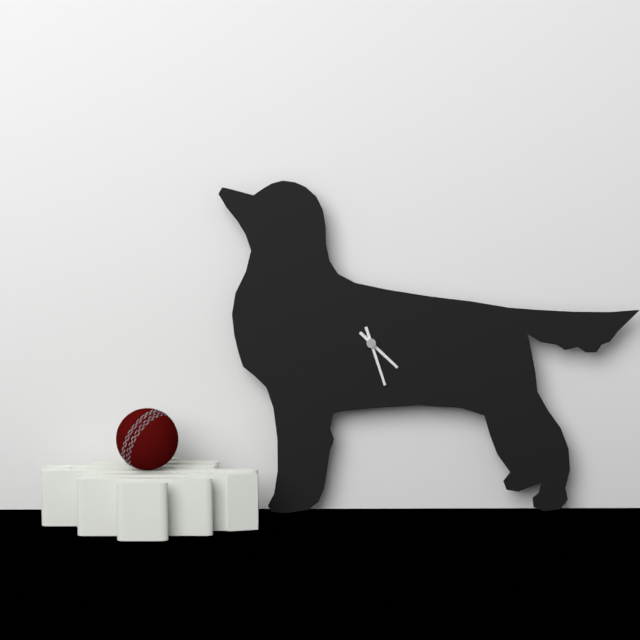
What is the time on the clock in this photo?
4:27
